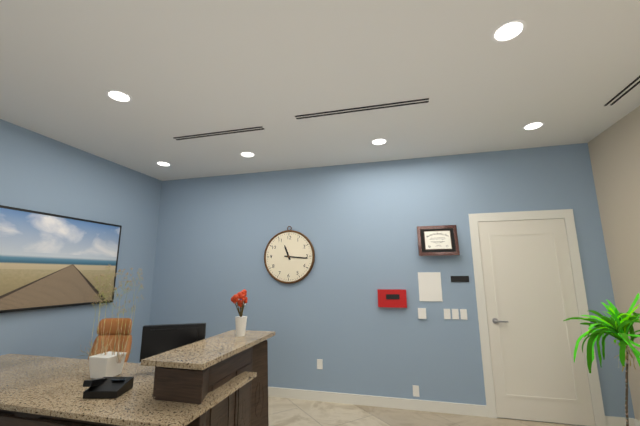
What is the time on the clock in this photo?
11:16
